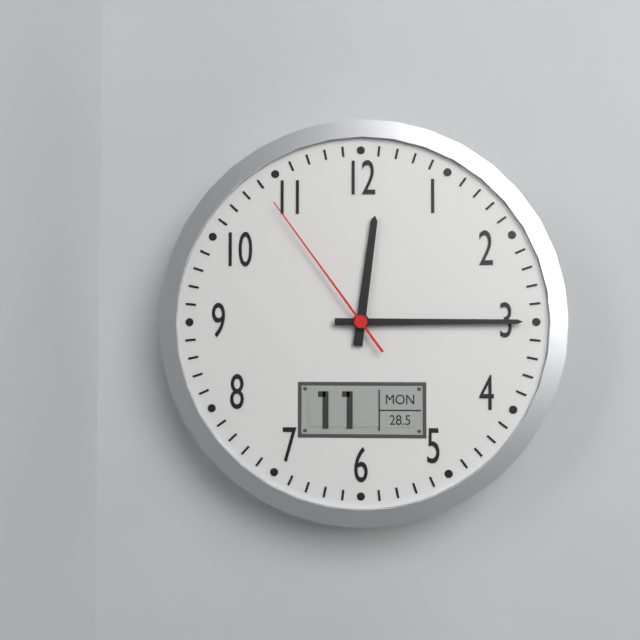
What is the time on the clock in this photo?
12:15:54
